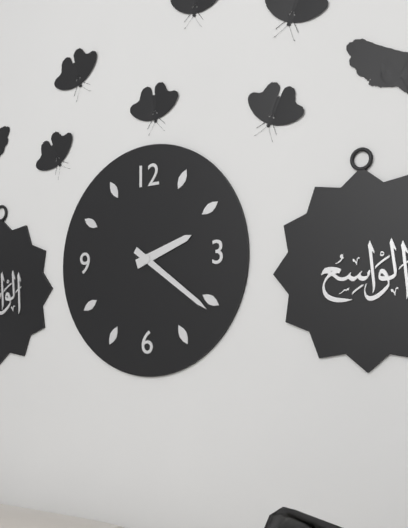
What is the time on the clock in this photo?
2:21
